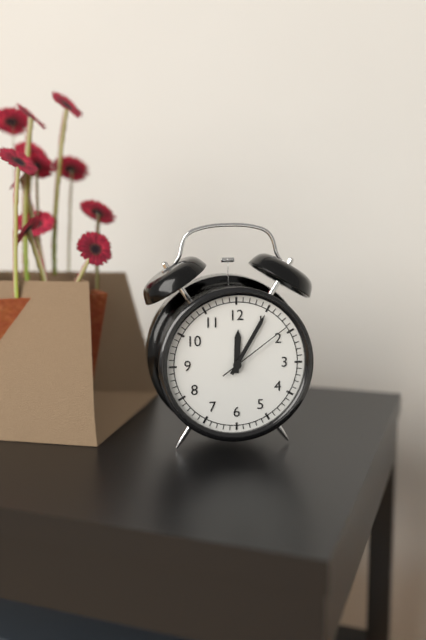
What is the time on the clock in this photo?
12:05:09
